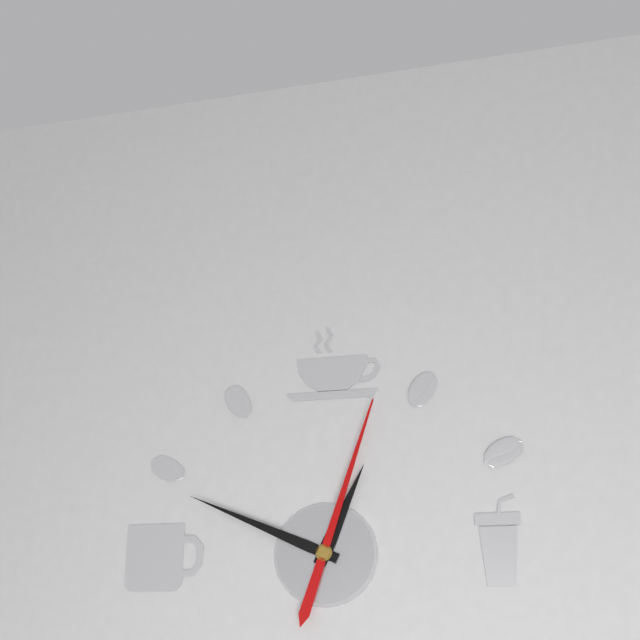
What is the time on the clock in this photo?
12:49:03
